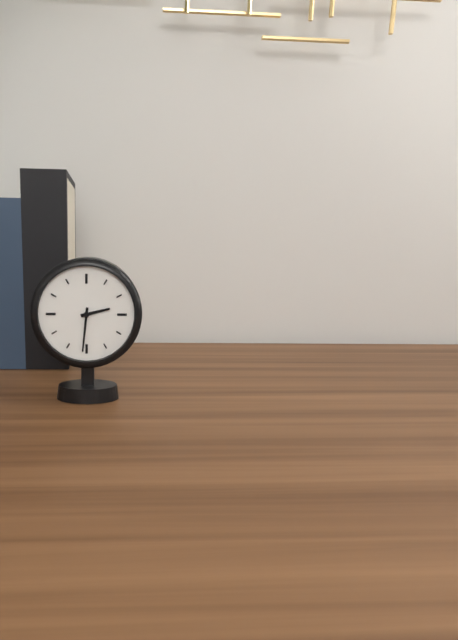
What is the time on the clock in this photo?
2:31
